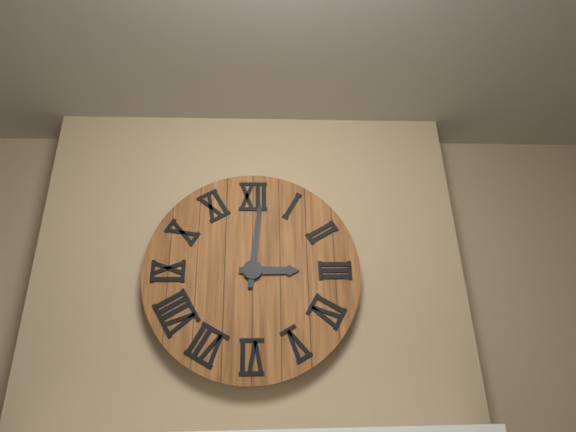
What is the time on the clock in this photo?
3:01
